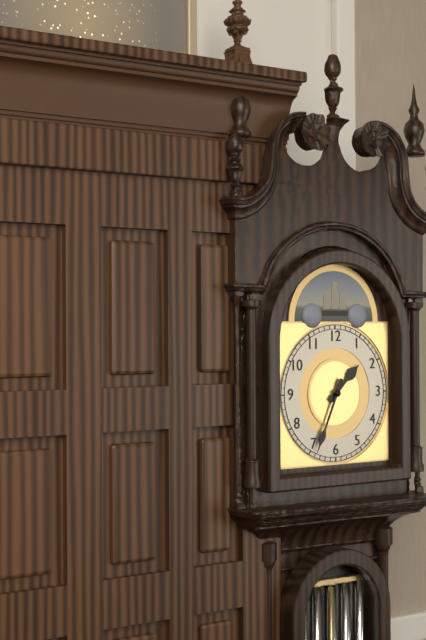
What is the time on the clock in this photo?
1:34
